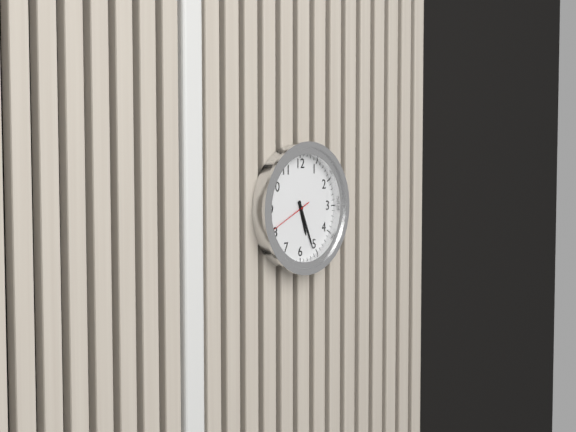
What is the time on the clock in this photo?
5:26
